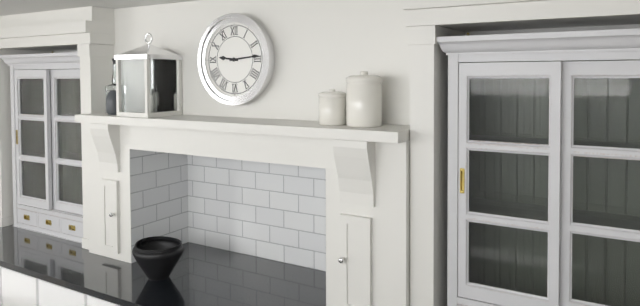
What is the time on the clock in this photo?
9:14
